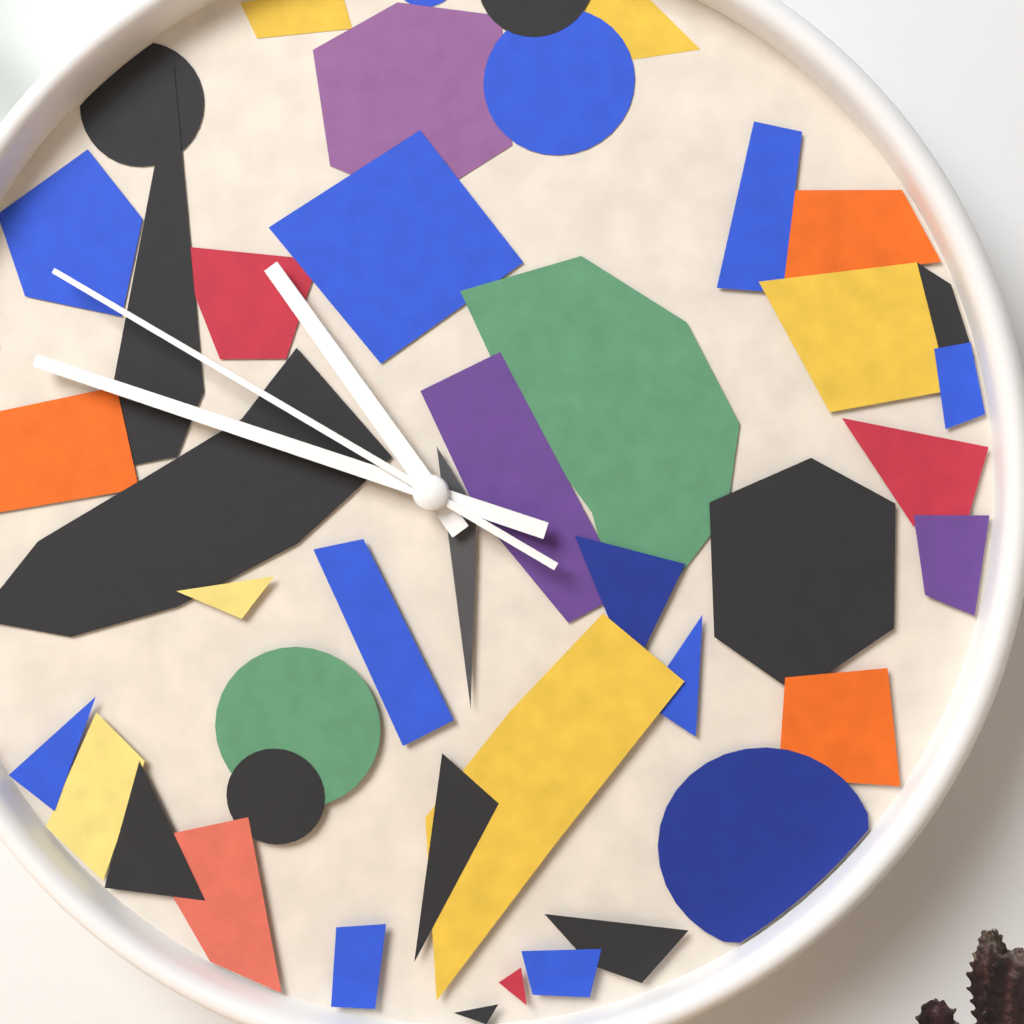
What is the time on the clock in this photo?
10:48:50
